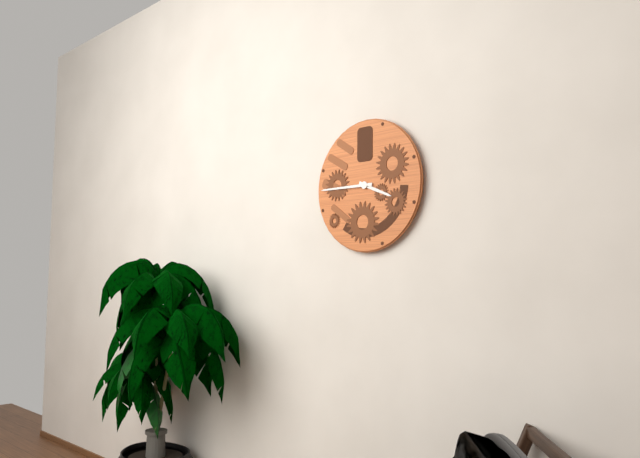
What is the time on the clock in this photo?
3:45
